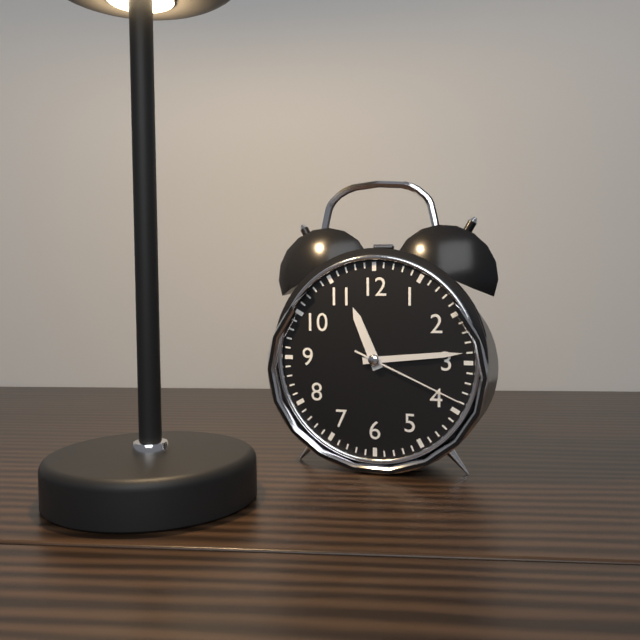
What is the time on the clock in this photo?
11:14:19
